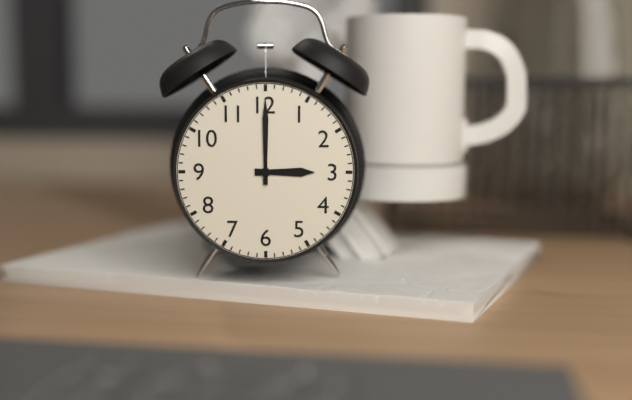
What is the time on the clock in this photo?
3:00
